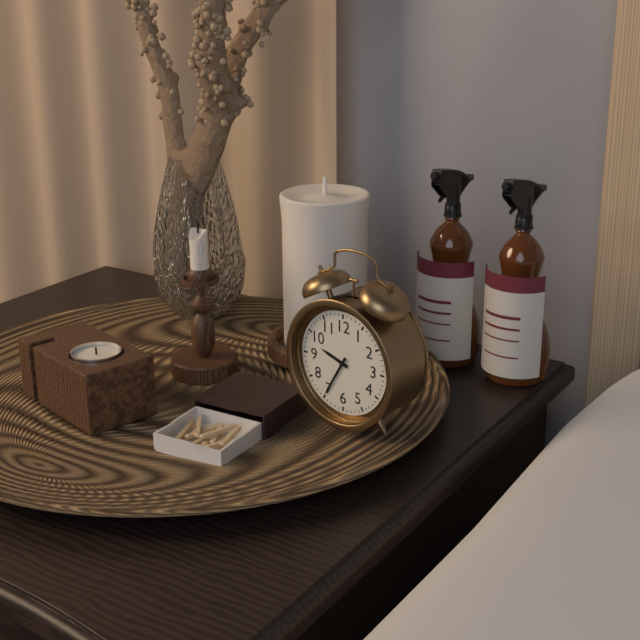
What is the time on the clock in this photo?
9:35
